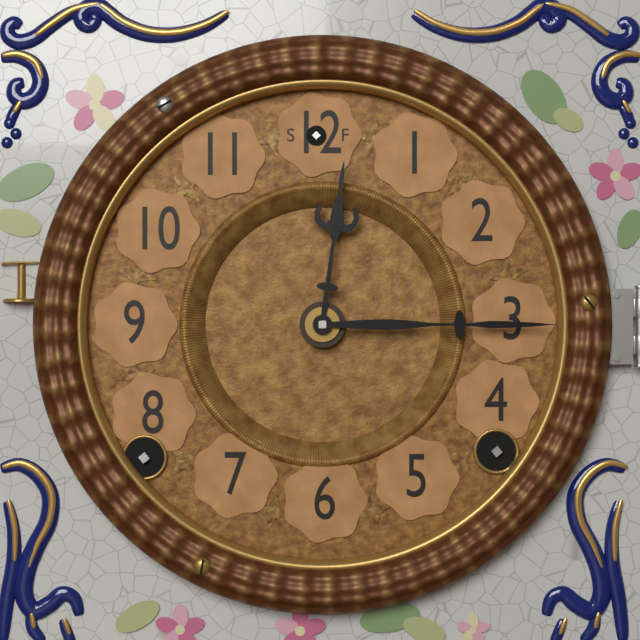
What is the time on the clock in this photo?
12:15
